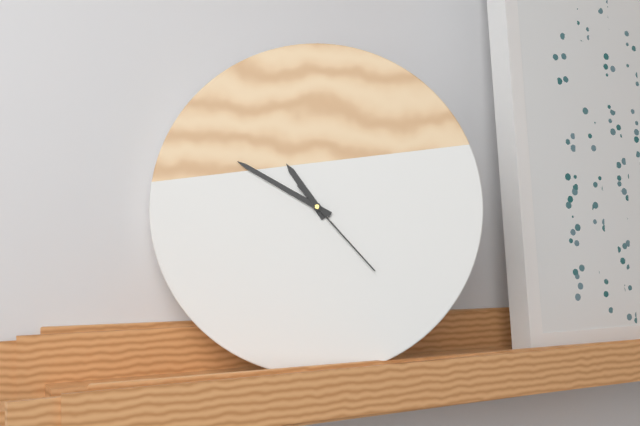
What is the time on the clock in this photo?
10:50:23
